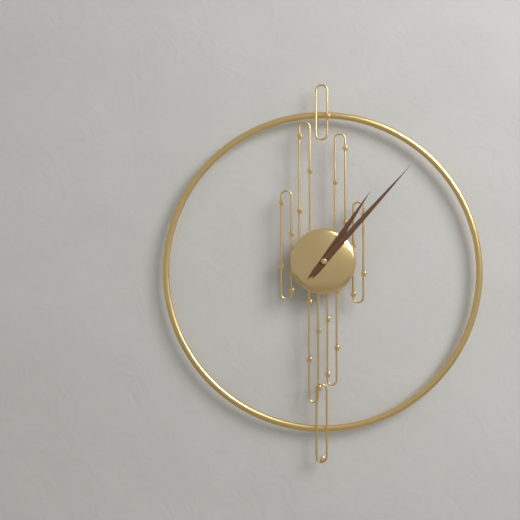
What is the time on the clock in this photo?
1:07
